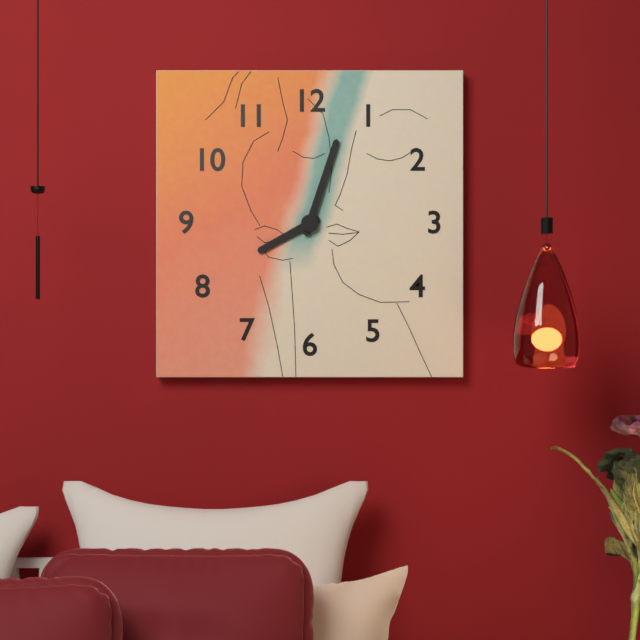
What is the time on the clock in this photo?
8:03
